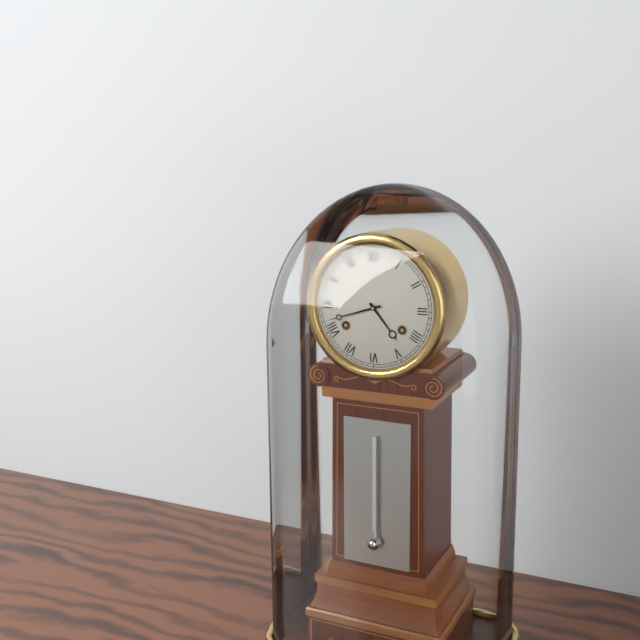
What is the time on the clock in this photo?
4:42
